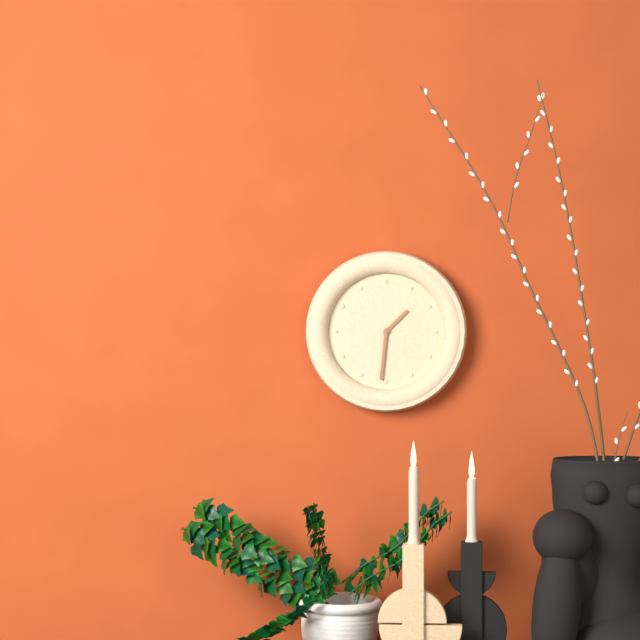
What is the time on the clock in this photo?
1:31
